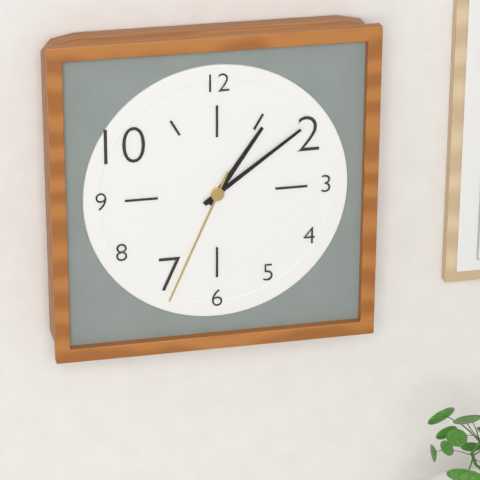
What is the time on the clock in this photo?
1:09:34
